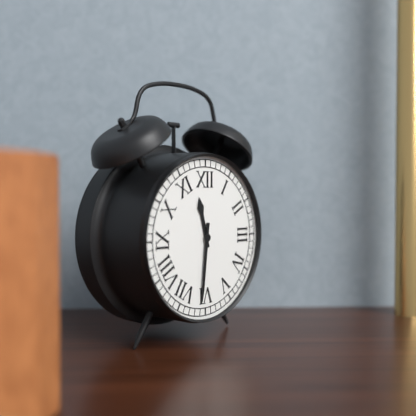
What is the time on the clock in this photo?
11:31
